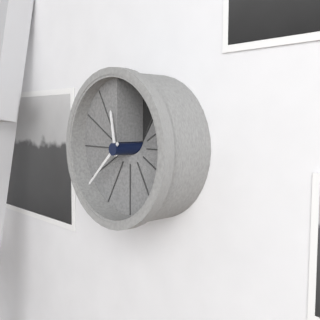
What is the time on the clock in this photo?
11:38
